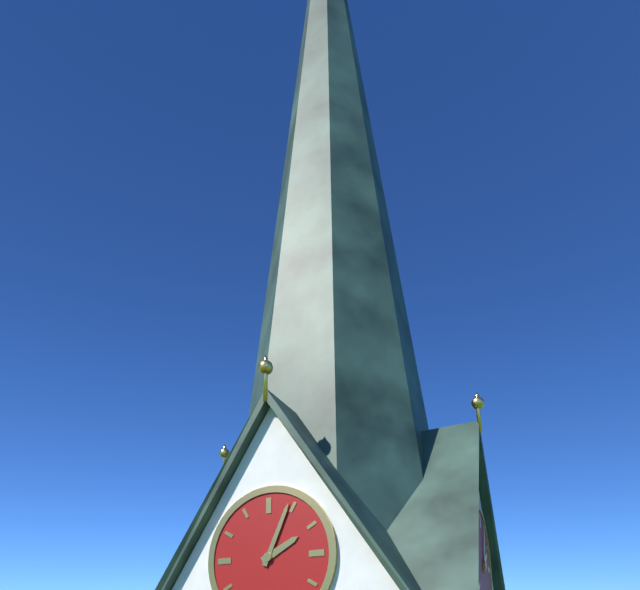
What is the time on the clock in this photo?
2:04
